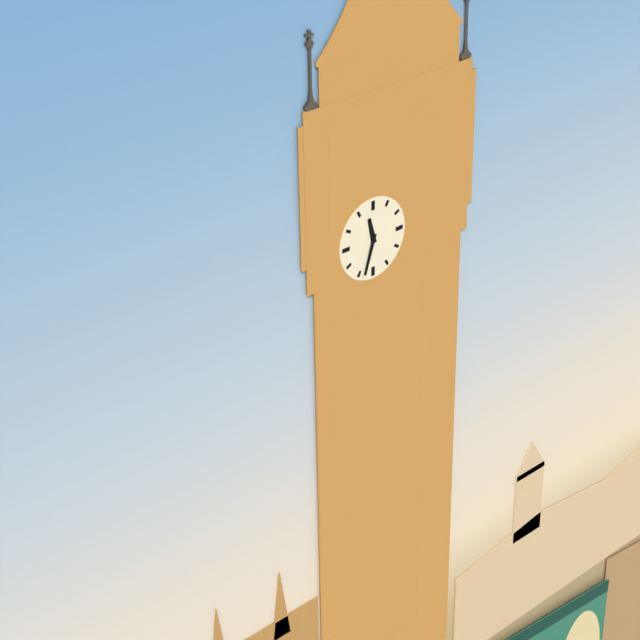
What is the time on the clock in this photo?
11:33
